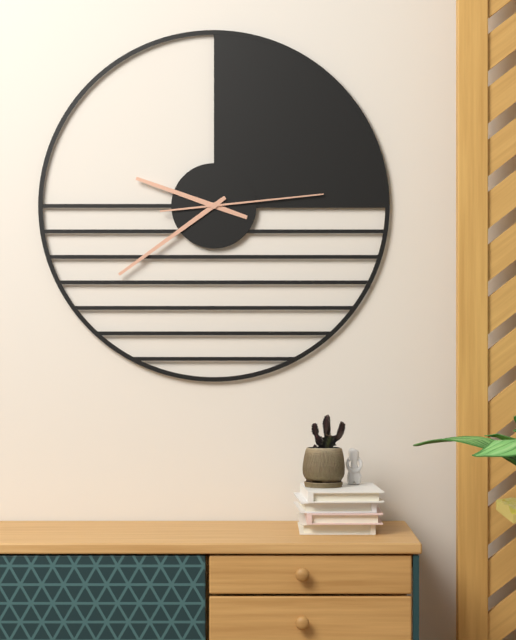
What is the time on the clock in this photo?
9:39:14
